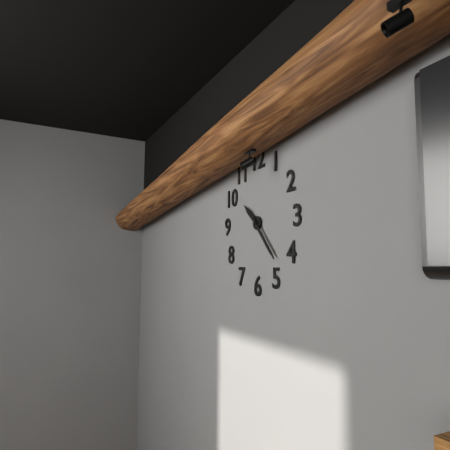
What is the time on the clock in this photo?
10:23
